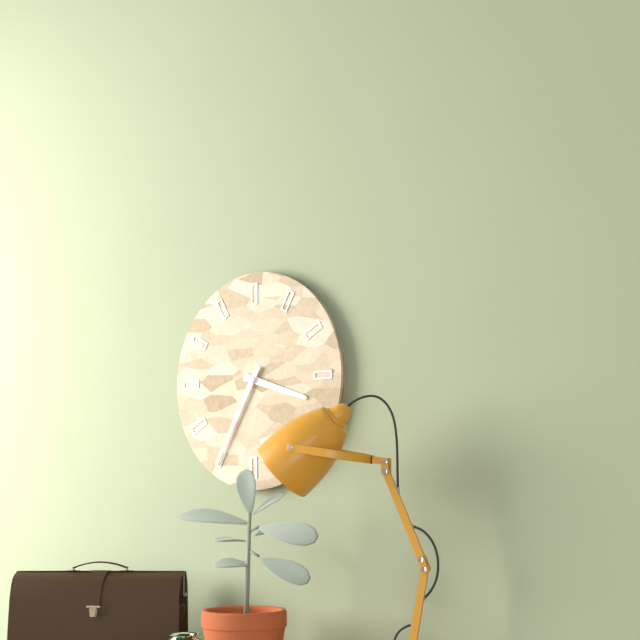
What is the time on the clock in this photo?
3:35
